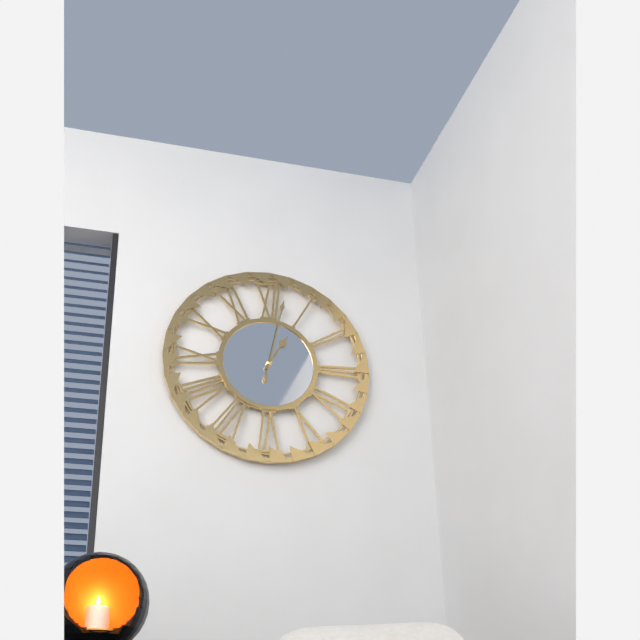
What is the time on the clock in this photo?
1:02
